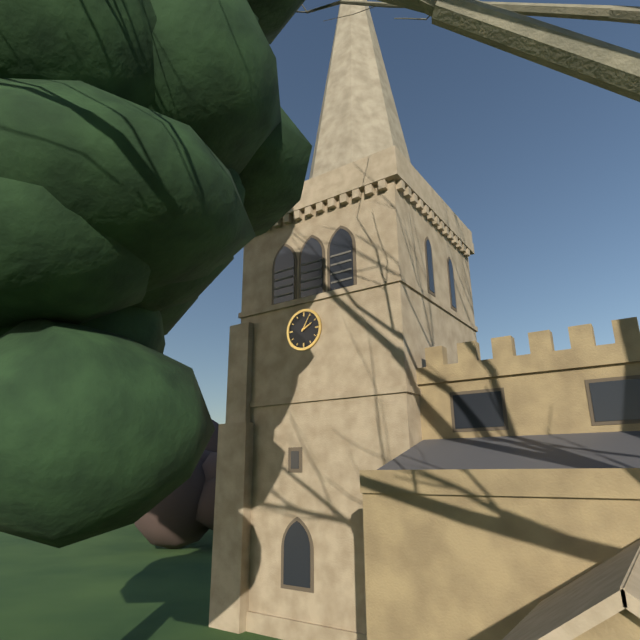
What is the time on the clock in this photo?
2:05
